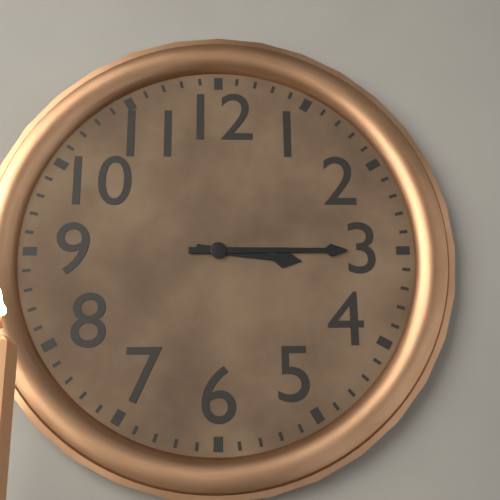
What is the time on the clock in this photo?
3:15
